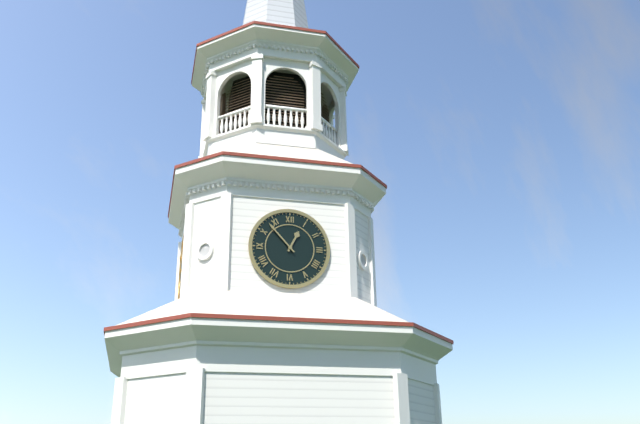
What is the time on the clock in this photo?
12:53
